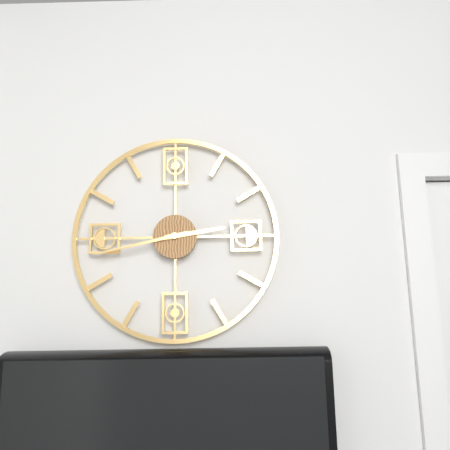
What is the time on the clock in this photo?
2:43
